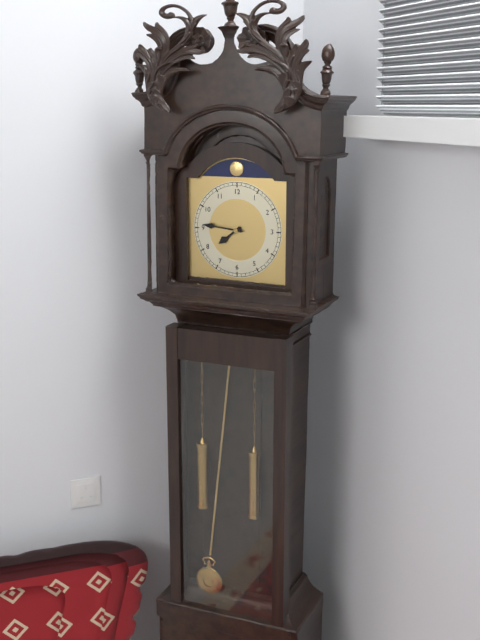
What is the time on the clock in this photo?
7:46
